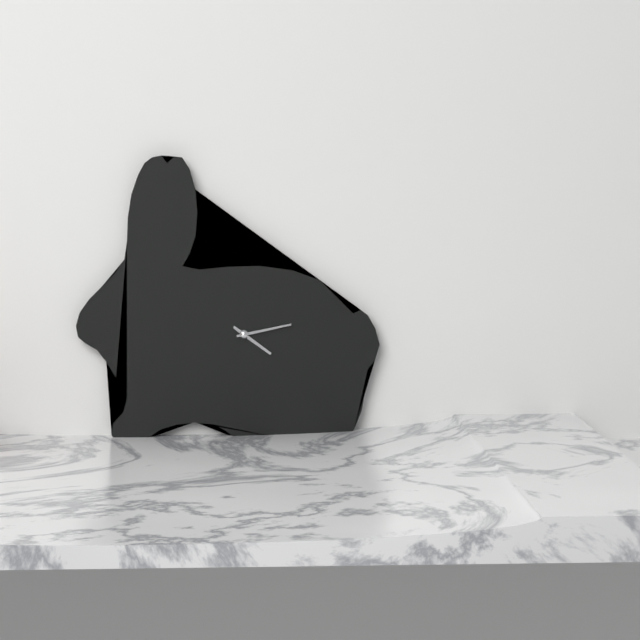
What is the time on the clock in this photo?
4:13
